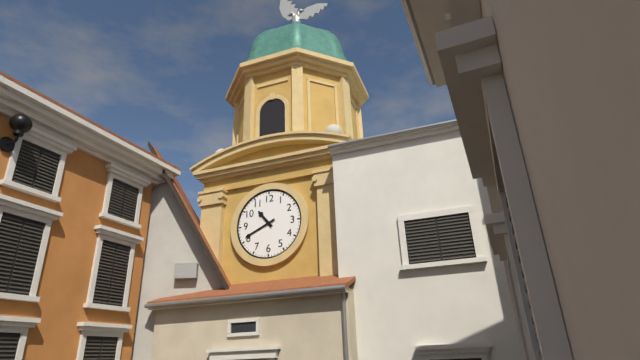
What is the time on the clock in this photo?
10:41
